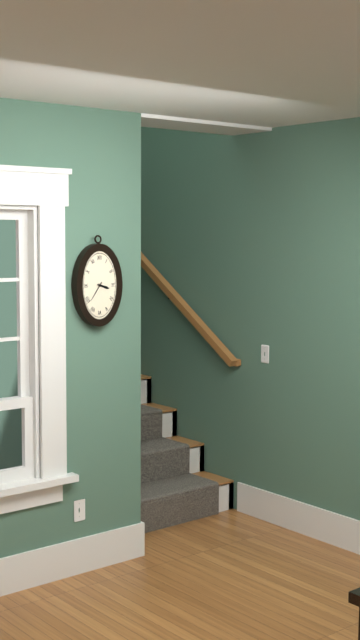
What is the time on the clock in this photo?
3:36
